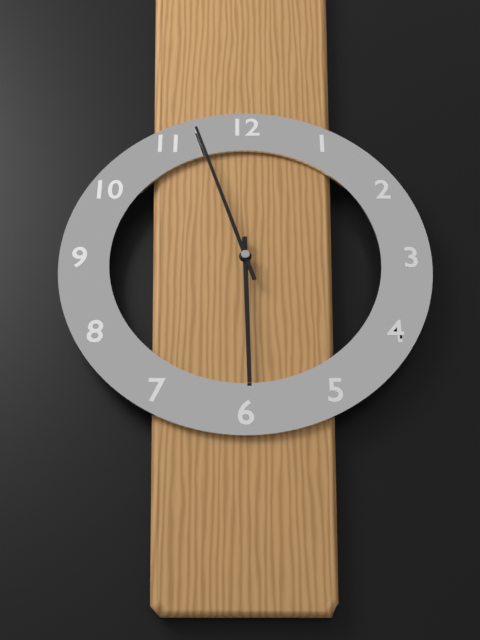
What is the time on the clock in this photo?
5:57
